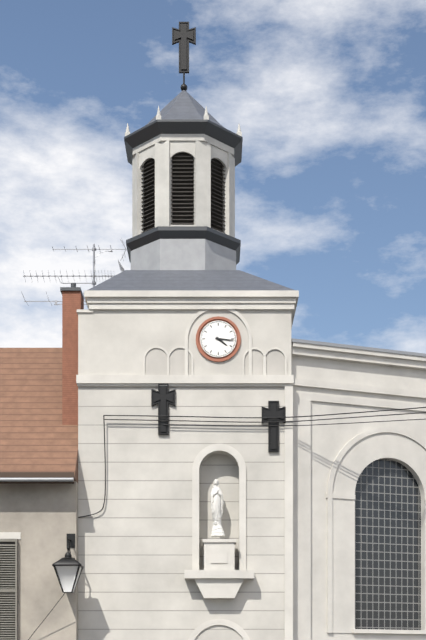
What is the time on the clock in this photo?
4:16
